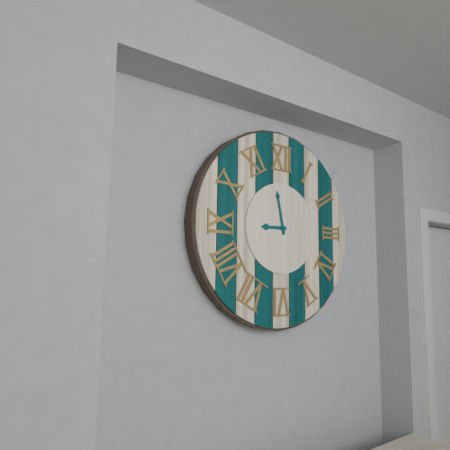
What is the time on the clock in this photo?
8:58
